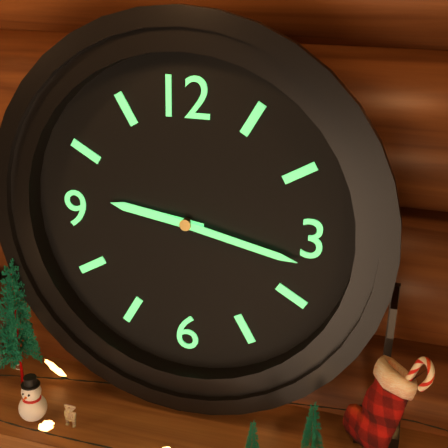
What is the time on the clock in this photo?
9:17
